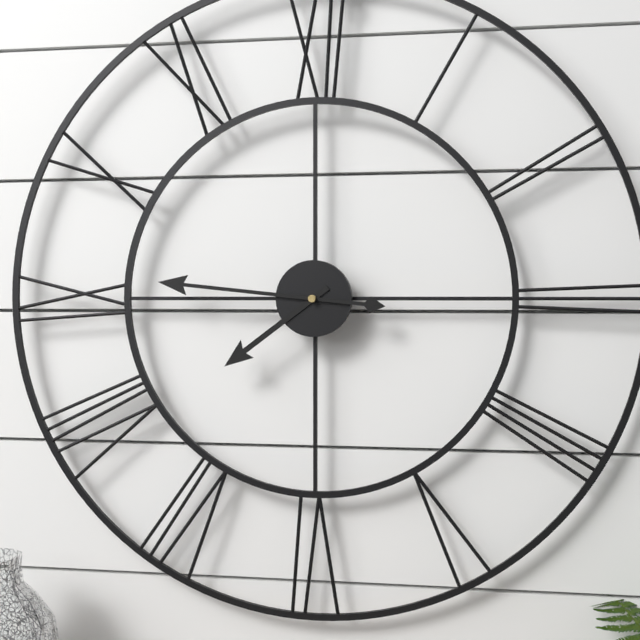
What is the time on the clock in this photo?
7:46
